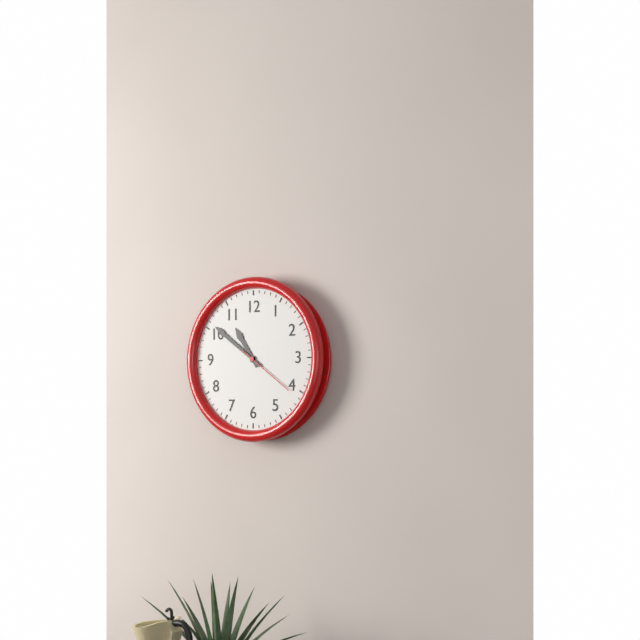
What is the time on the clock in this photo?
10:51:21
